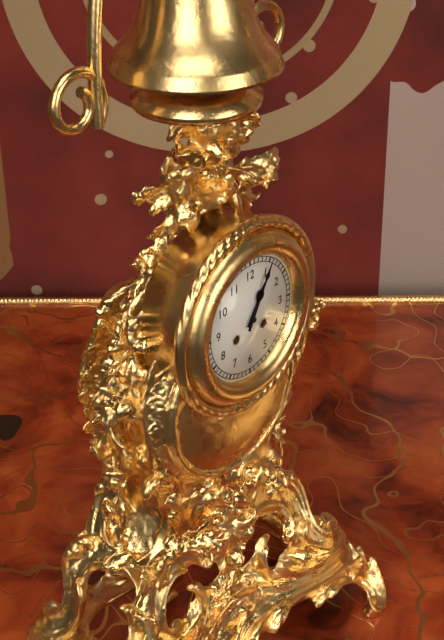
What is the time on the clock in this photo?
1:05
